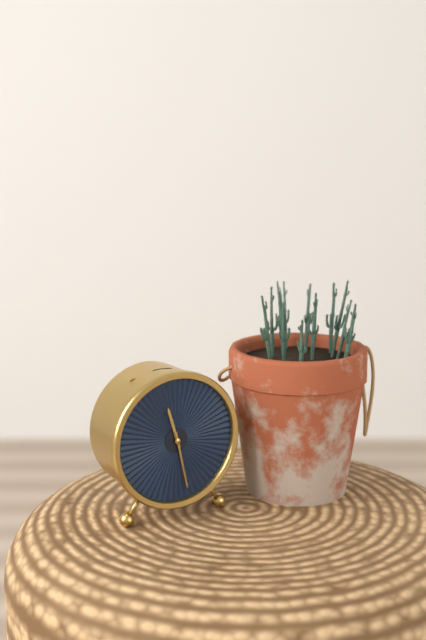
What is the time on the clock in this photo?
11:28
